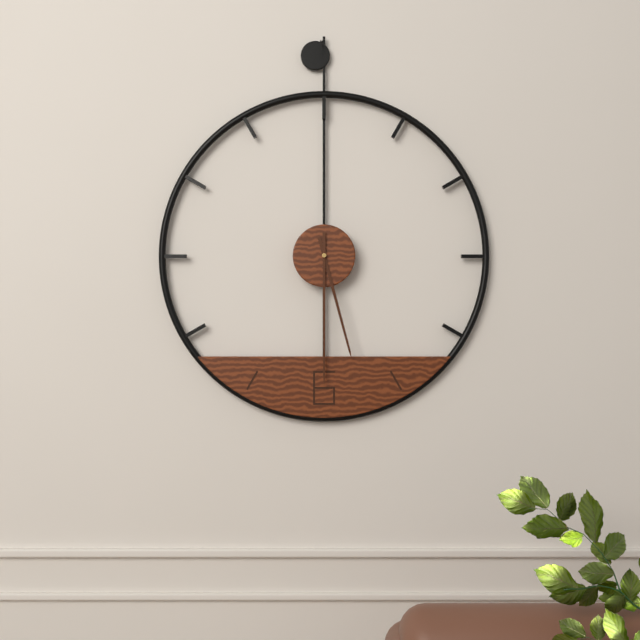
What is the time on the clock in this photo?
5:30
